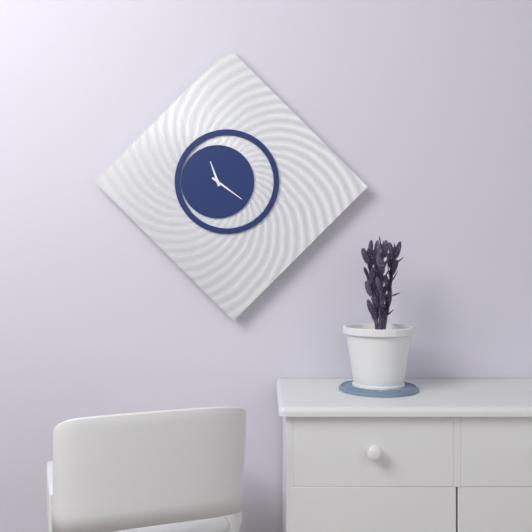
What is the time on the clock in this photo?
11:21
